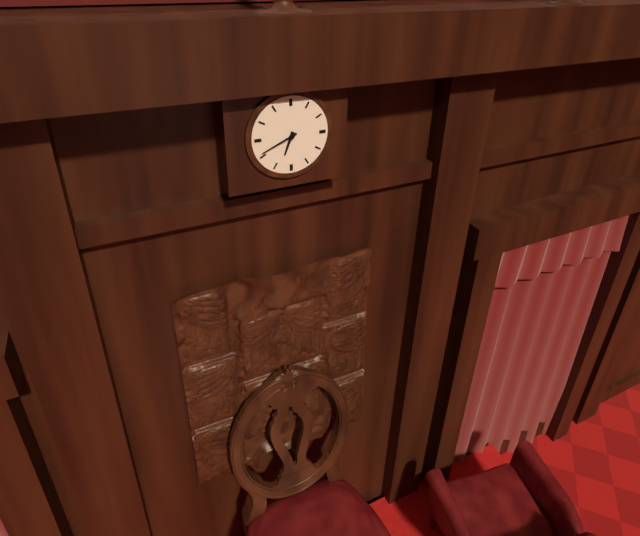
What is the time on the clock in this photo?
6:41
